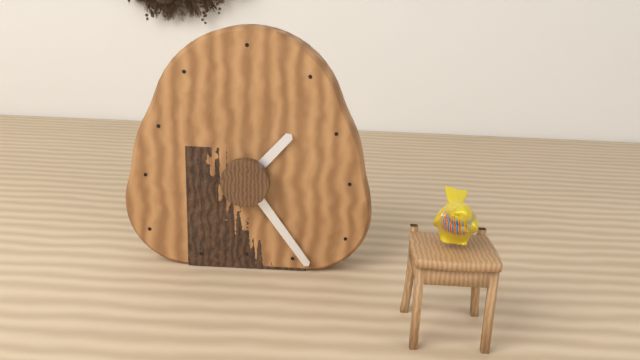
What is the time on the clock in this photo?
1:24
